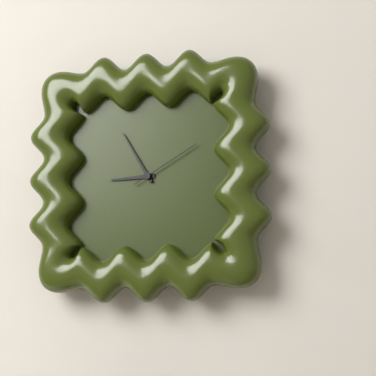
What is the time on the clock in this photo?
8:55:10
